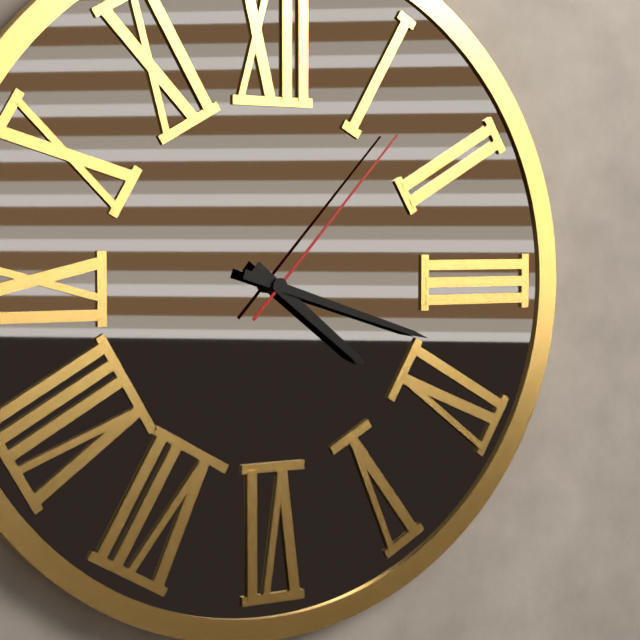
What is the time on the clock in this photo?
4:18:07
